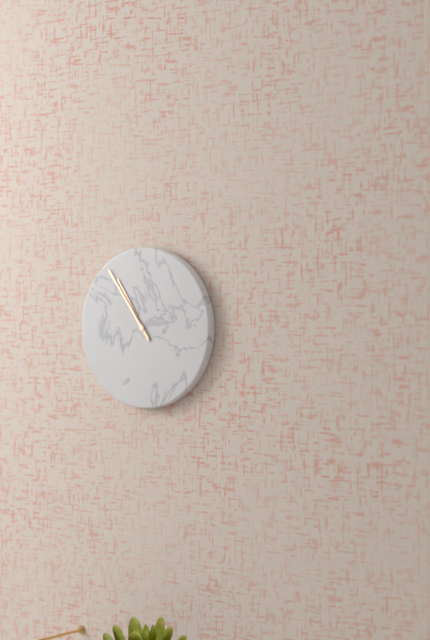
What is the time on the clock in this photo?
10:54
